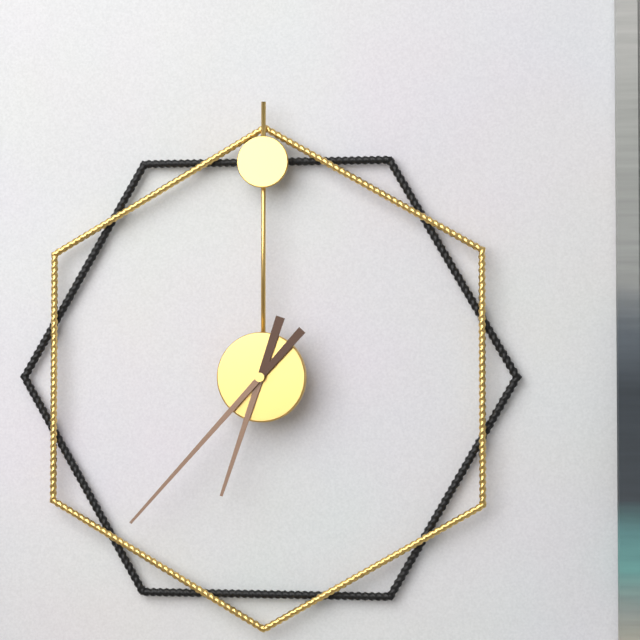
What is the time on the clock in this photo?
6:37
